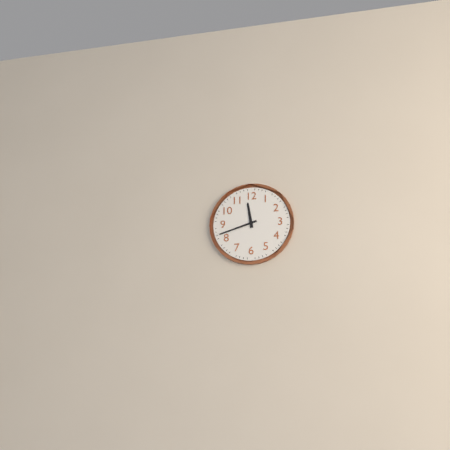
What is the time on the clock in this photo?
11:42
